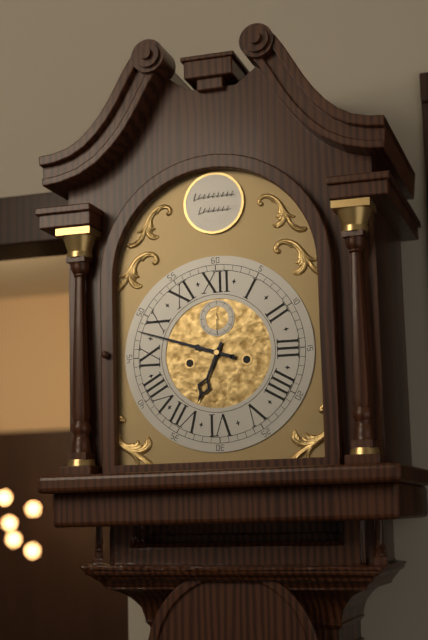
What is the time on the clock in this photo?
6:48
